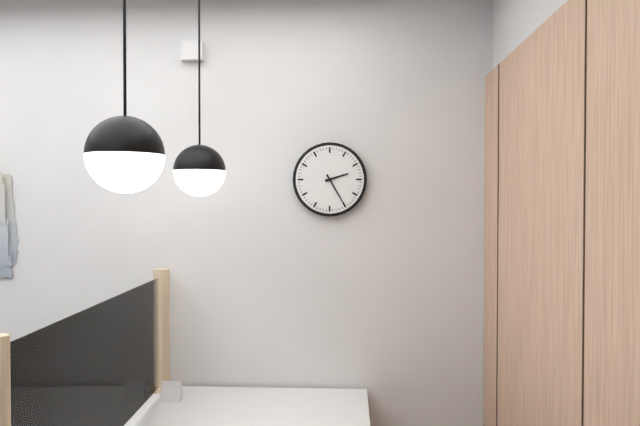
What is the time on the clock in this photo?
2:25
